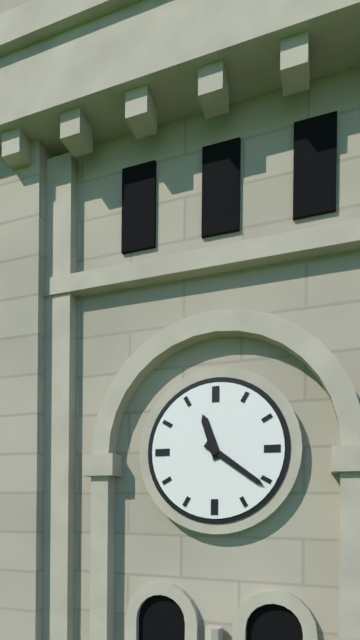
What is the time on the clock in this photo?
11:21
